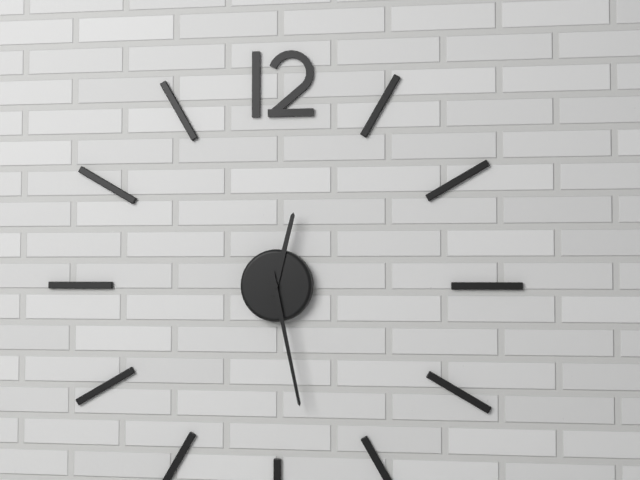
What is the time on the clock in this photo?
12:28
